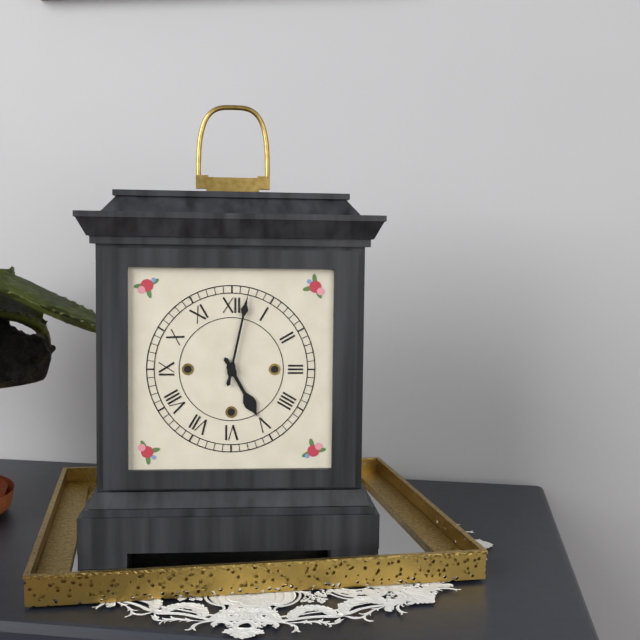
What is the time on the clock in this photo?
5:02
